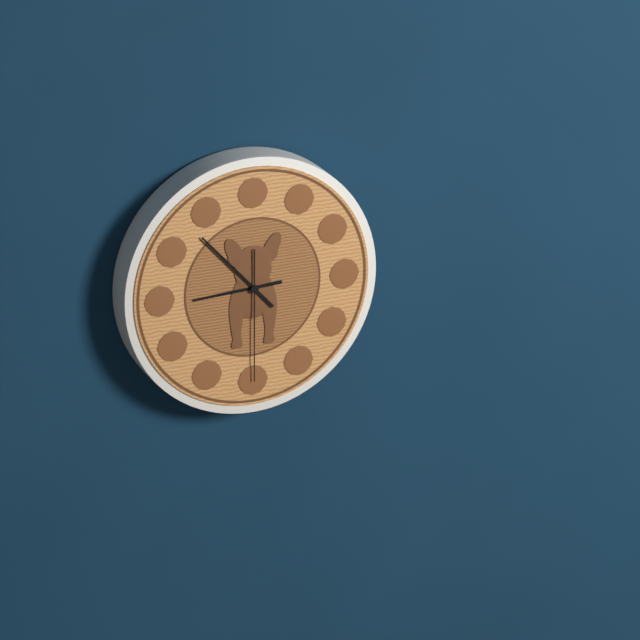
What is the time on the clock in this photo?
8:53:30
